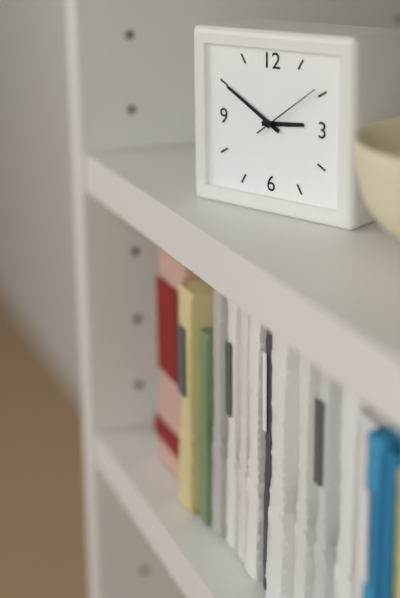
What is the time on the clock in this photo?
2:50:09
